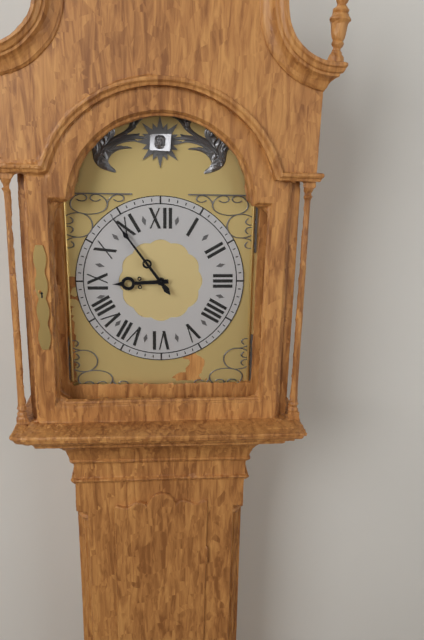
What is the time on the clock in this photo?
8:54
